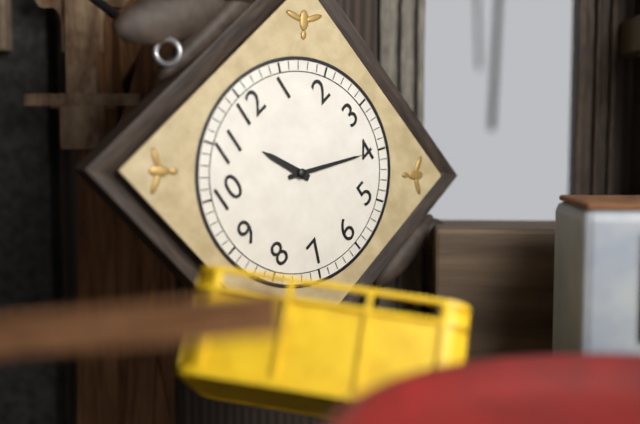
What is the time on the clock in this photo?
11:20
